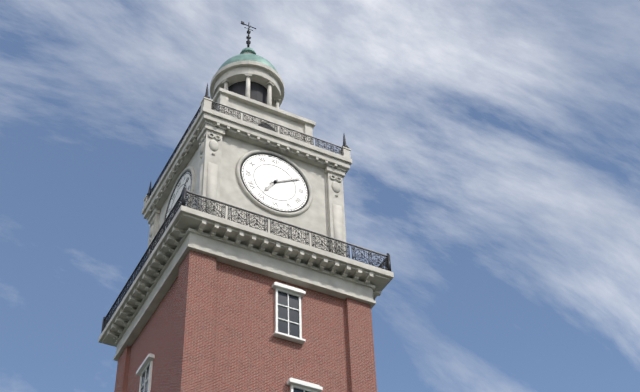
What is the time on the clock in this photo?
7:10
